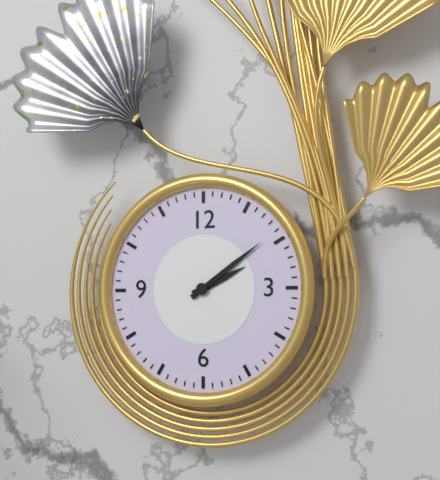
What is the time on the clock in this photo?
2:09
